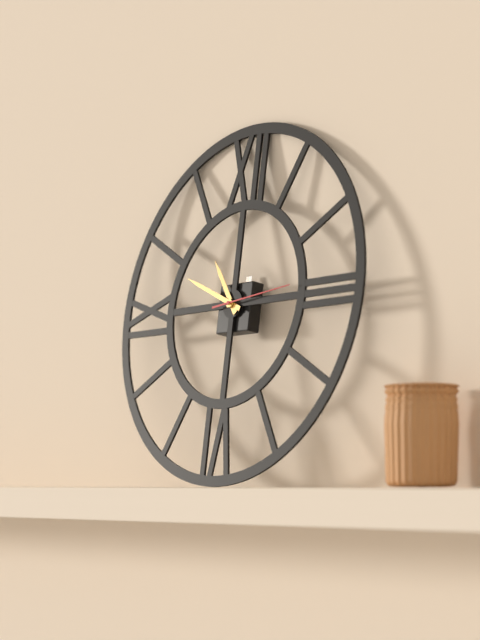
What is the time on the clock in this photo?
10:49:14
